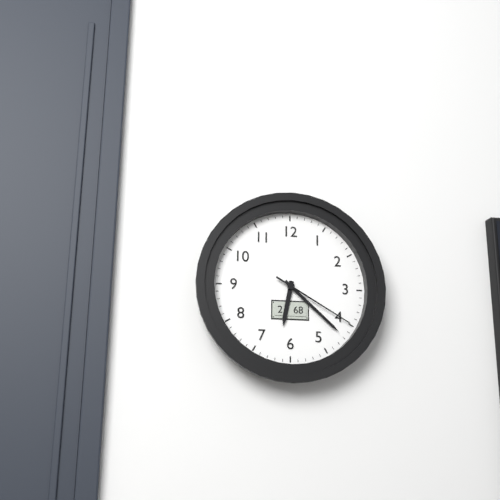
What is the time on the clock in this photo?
6:22:20
